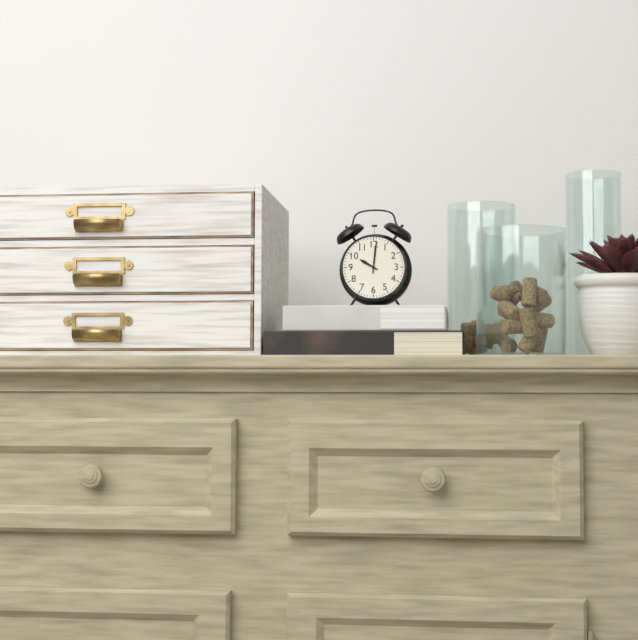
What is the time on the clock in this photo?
10:01
